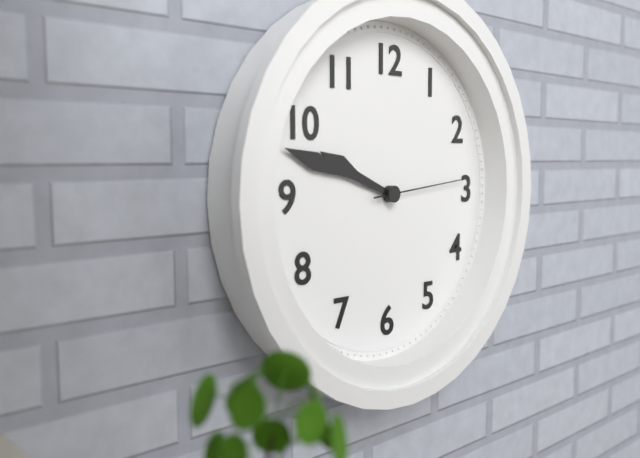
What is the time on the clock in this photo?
9:48:14
